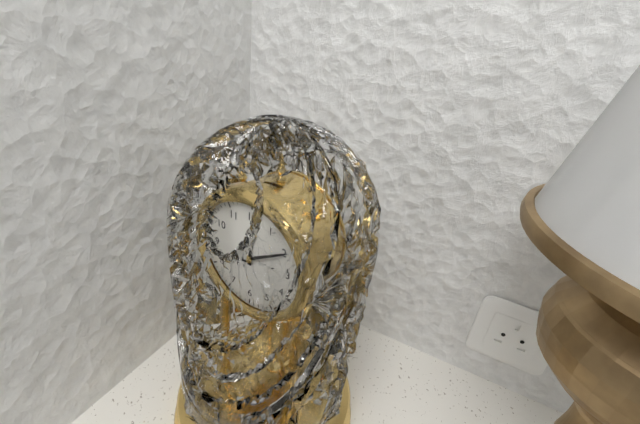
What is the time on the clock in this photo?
12:10
